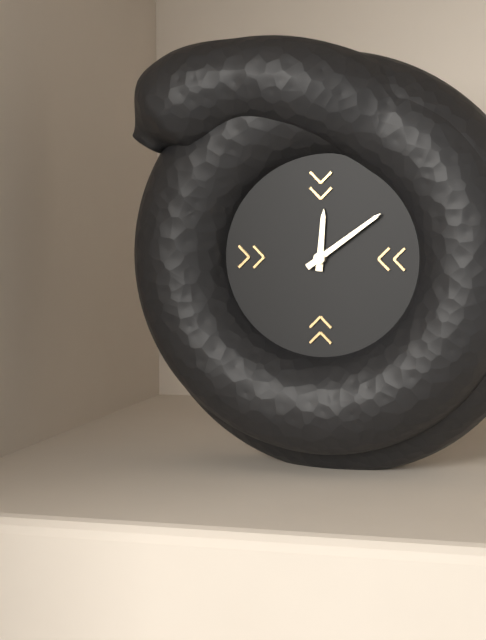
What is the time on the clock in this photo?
12:09
